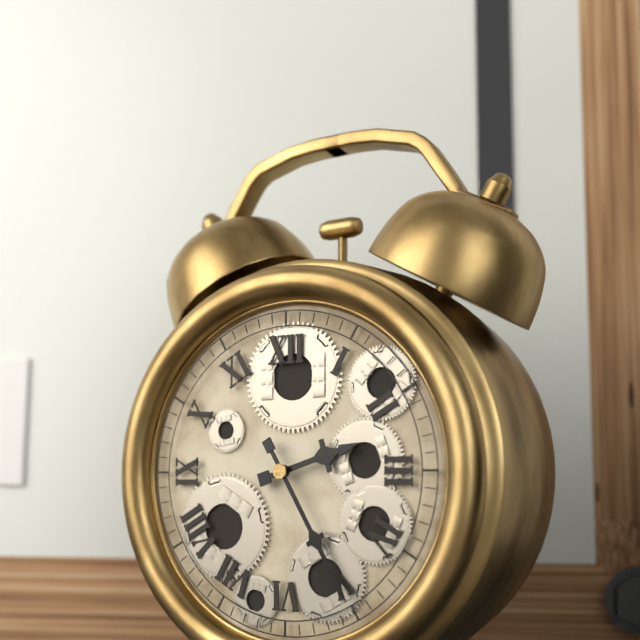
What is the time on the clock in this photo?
2:25
